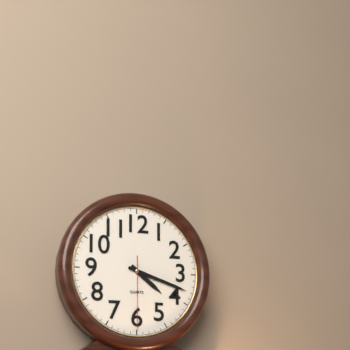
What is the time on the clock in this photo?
4:18:30
